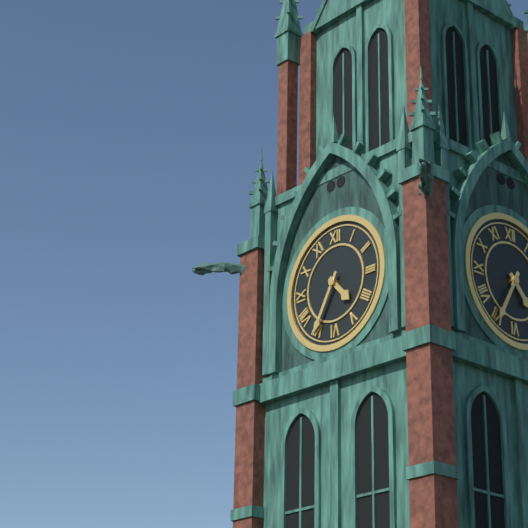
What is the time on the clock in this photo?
4:35
